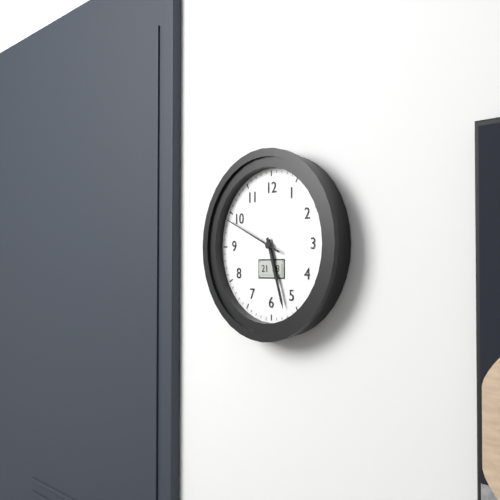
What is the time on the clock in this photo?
5:27:49
